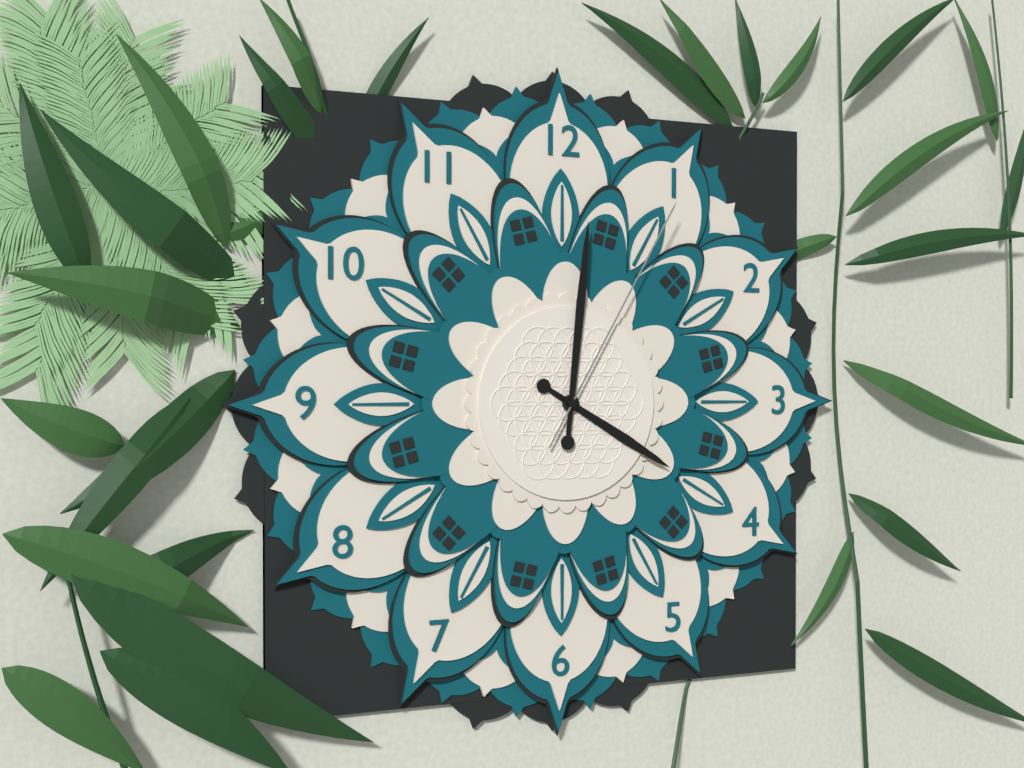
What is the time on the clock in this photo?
4:01:05
